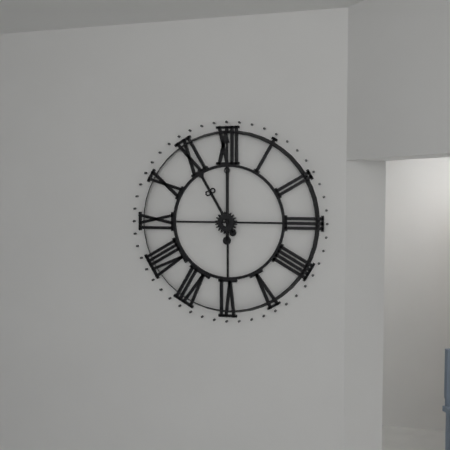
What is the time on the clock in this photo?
11:00
